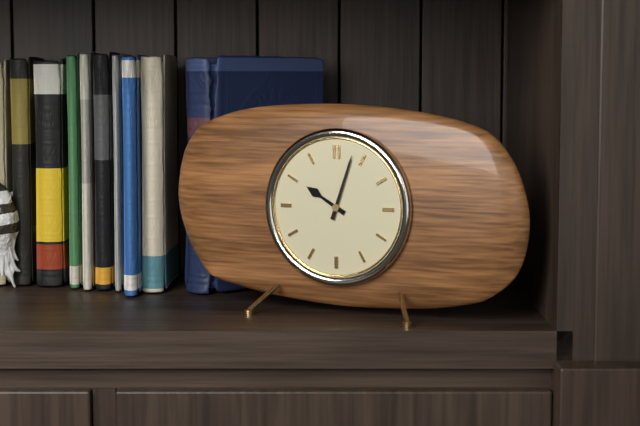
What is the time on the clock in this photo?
10:03
